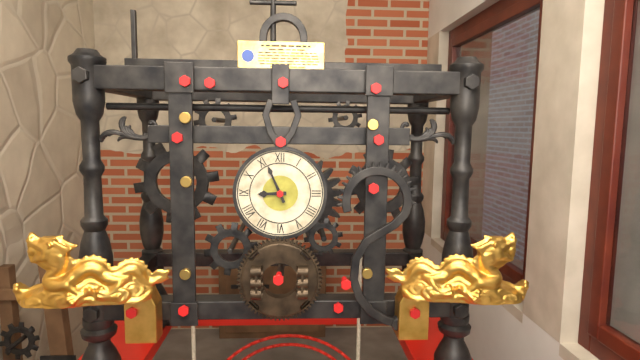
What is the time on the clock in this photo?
8:56
